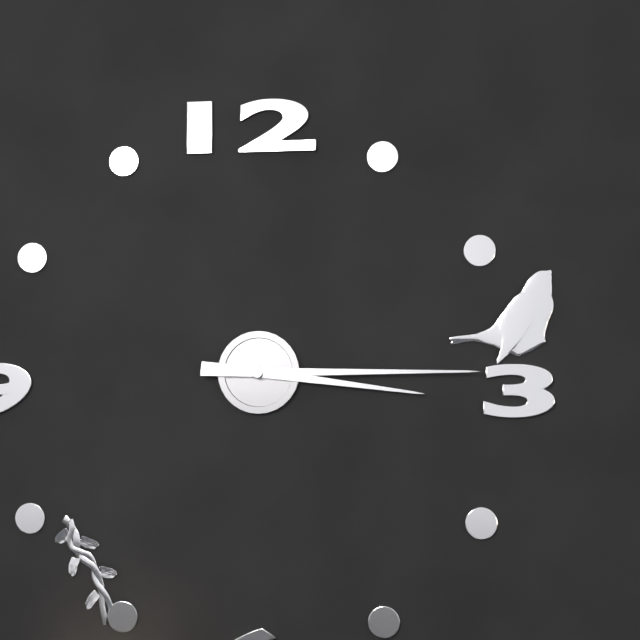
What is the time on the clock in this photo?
3:15
